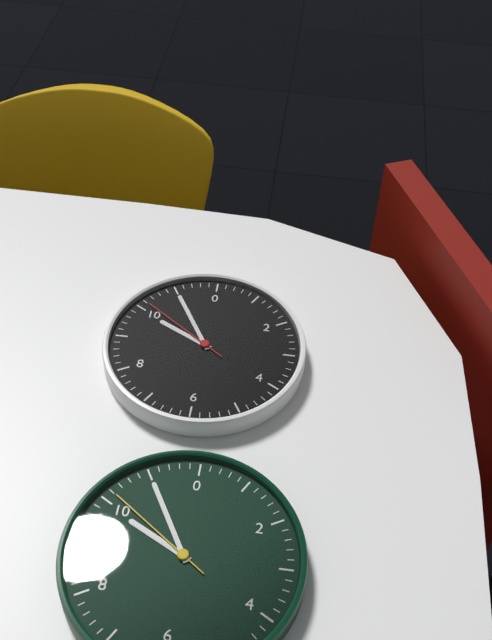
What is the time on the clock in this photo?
9:55:51
